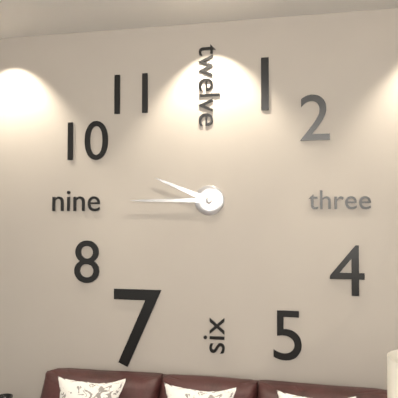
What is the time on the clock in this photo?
9:45
